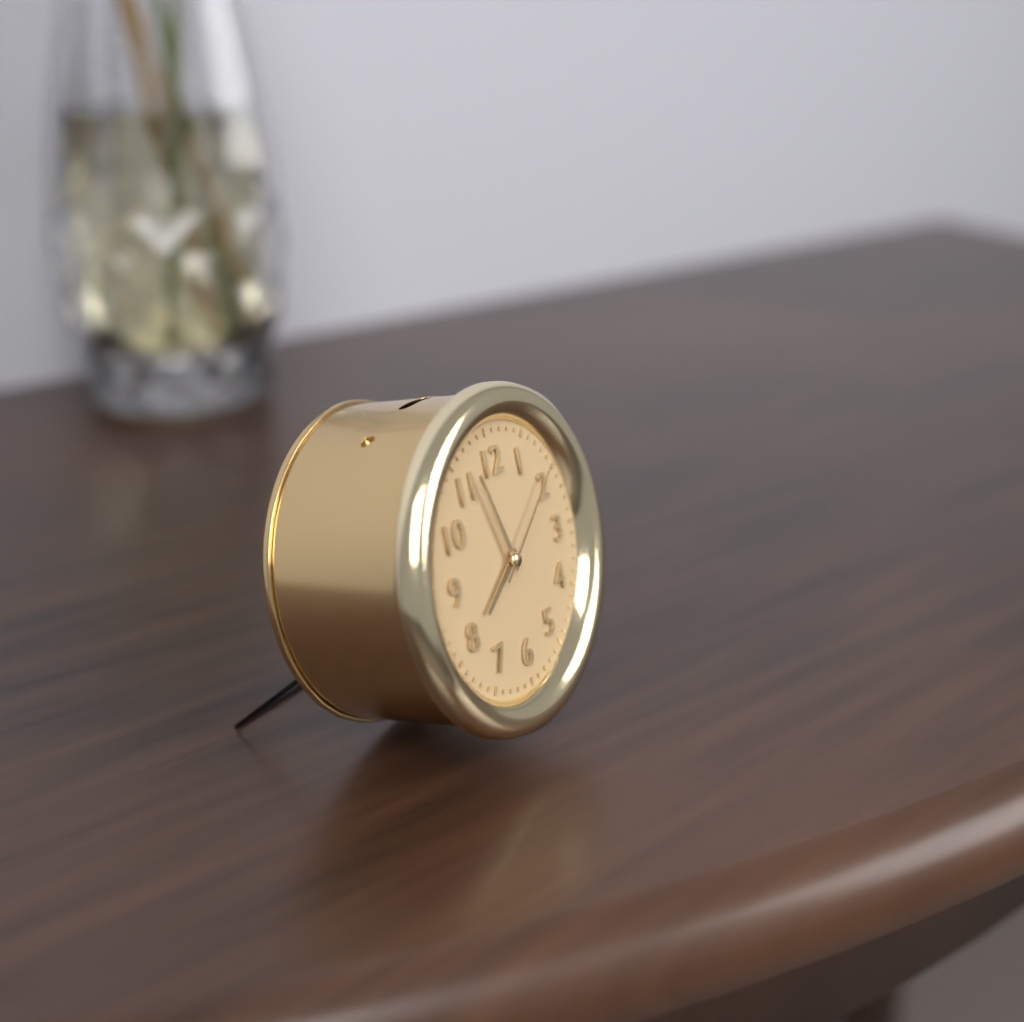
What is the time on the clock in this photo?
7:57:09
